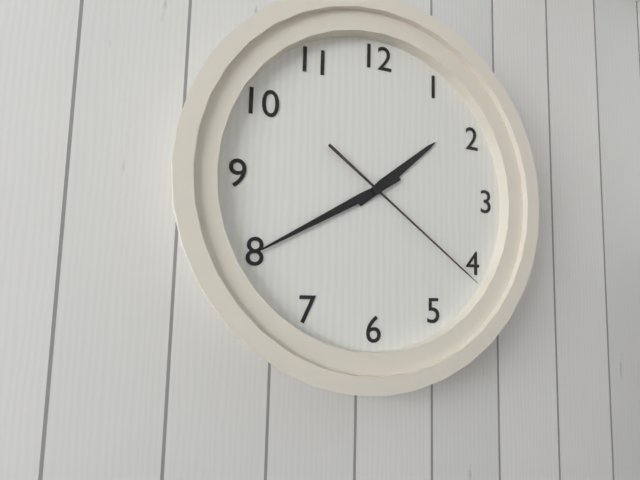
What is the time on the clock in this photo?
1:40:21
